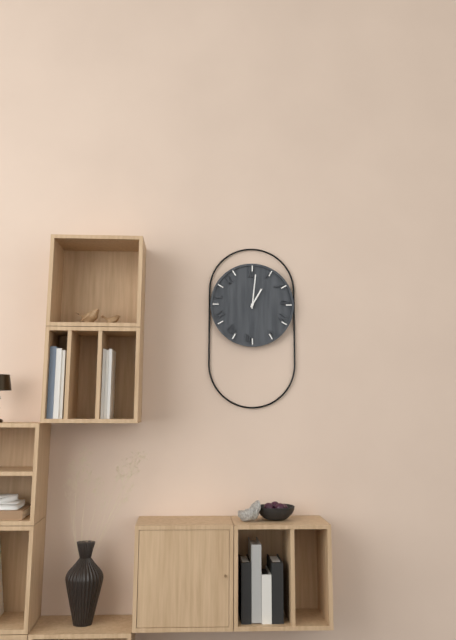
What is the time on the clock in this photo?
1:01
